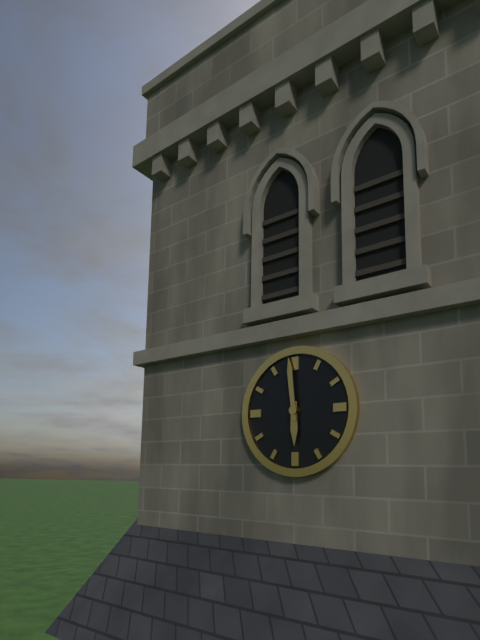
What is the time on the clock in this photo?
5:59
